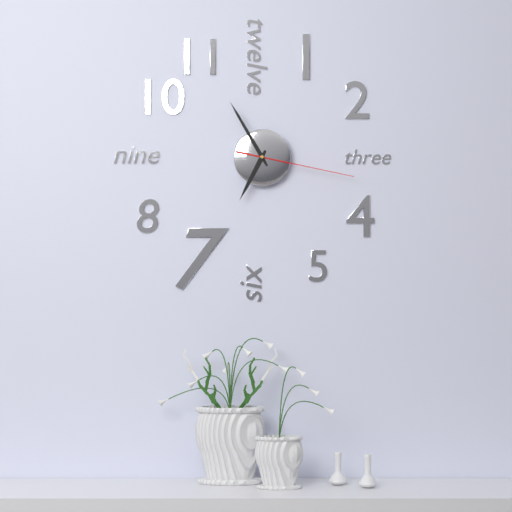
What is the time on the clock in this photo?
6:55:17
